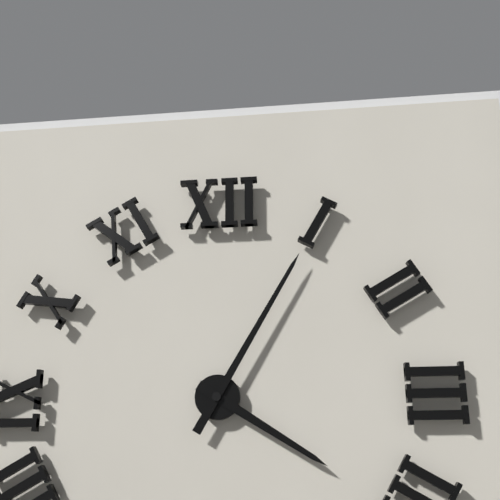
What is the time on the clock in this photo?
4:05
